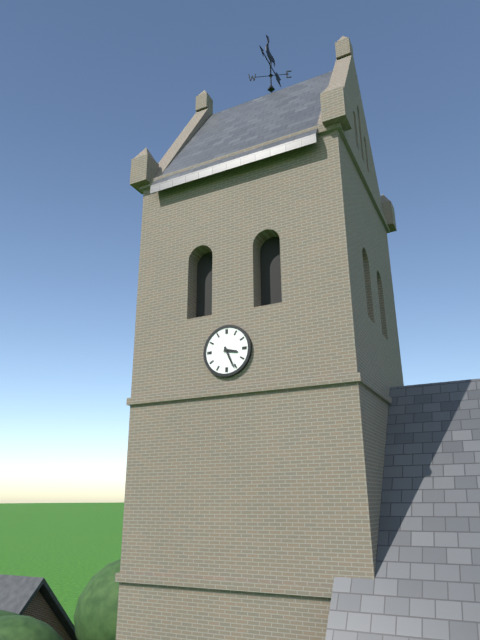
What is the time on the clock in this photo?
3:26
